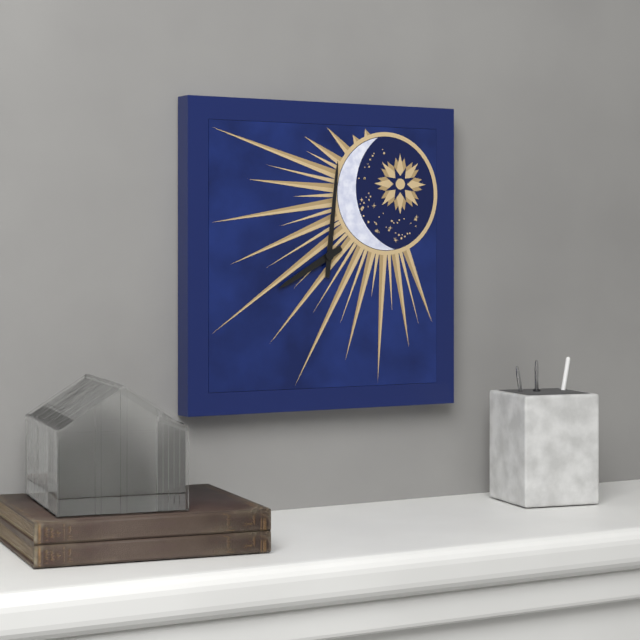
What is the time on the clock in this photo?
8:01
